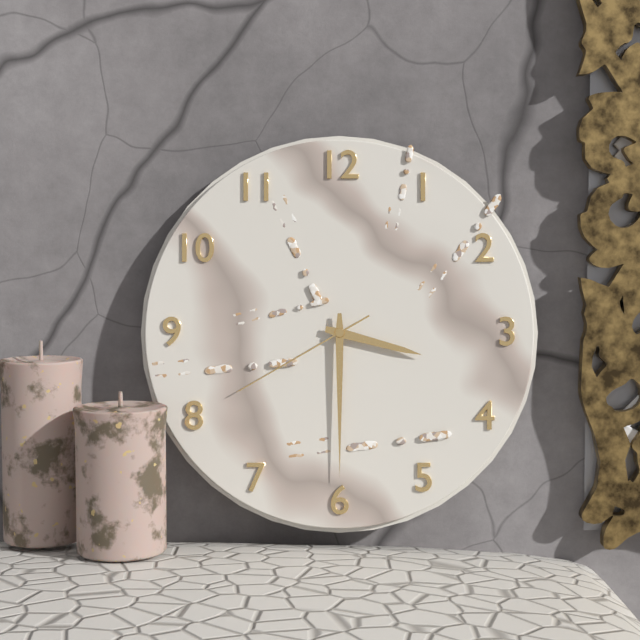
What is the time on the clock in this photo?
3:30:40
